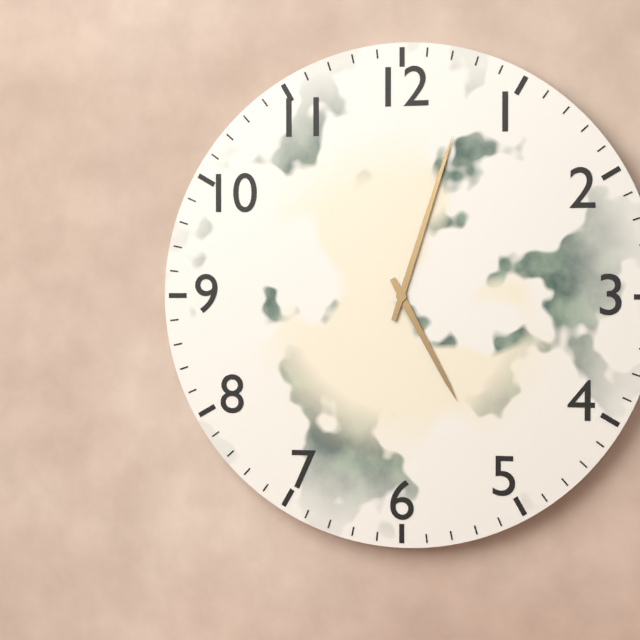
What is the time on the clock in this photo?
5:03
